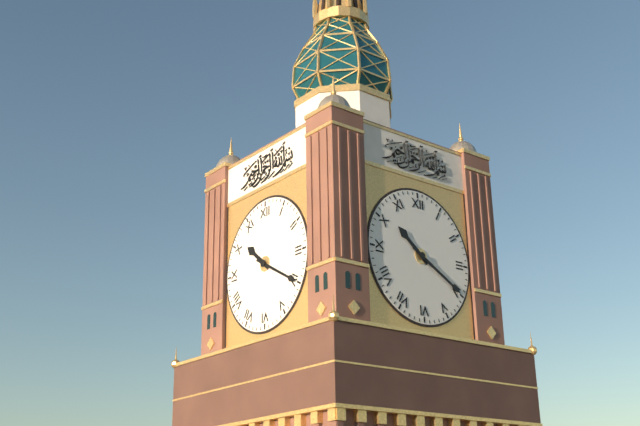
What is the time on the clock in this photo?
10:20
